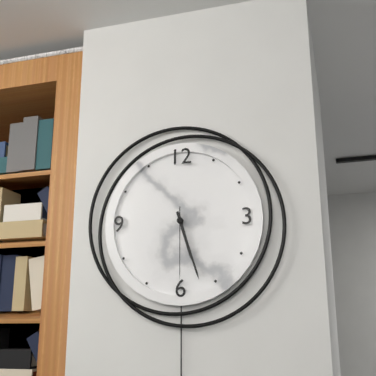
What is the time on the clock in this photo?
5:27:30
